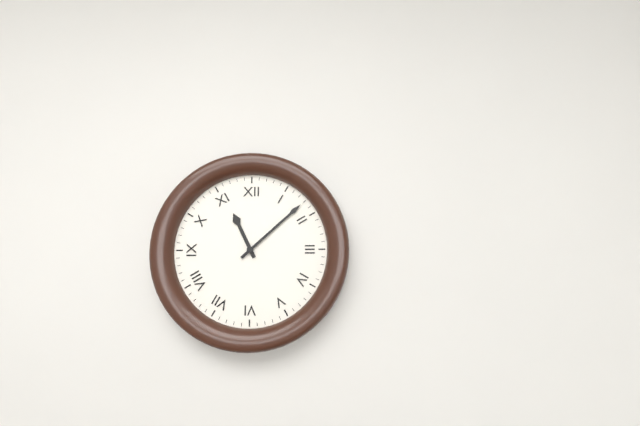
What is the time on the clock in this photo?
11:08
